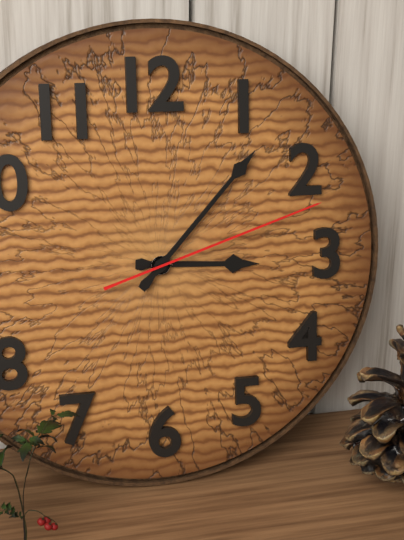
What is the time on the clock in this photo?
3:07:12
